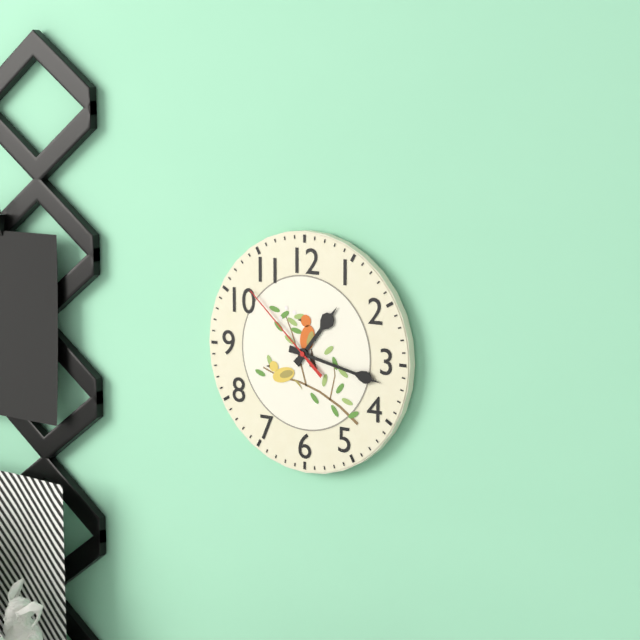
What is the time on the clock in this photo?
1:17:52
